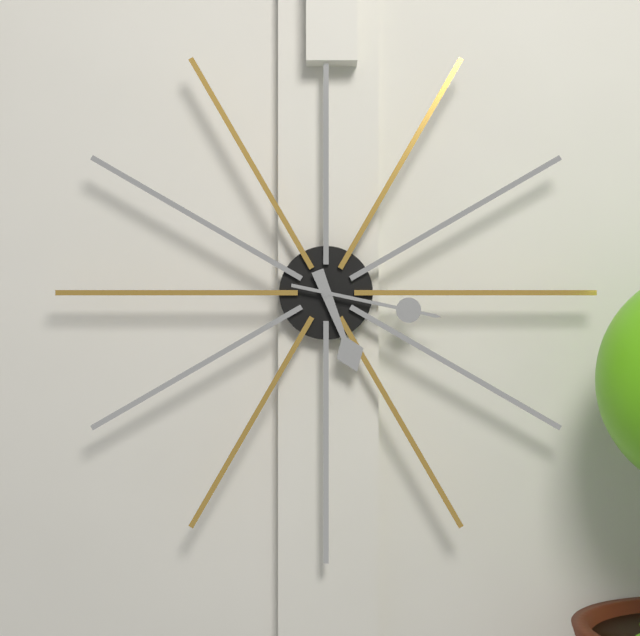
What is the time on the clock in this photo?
5:17
